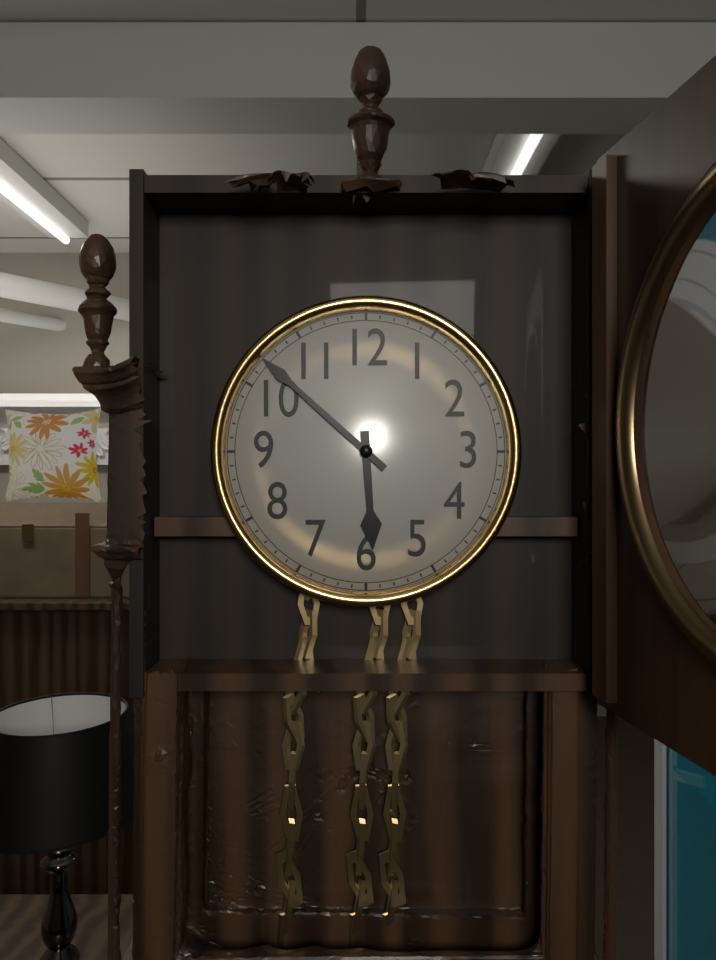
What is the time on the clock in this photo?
5:52
